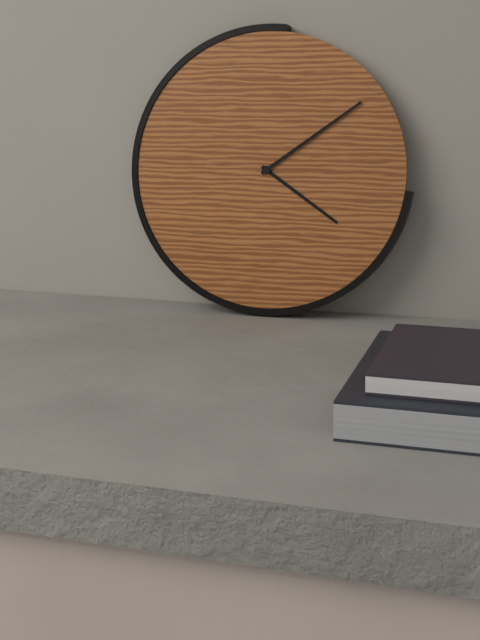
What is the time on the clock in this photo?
4:09
